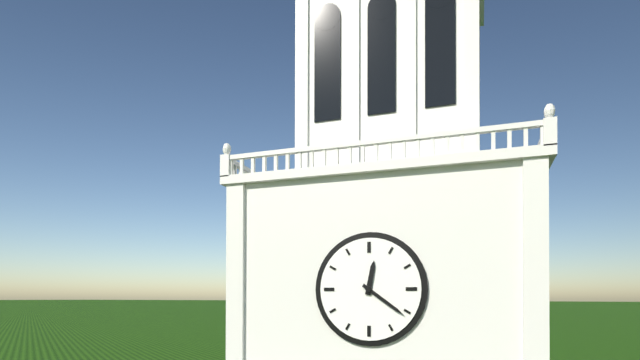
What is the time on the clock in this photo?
12:21
